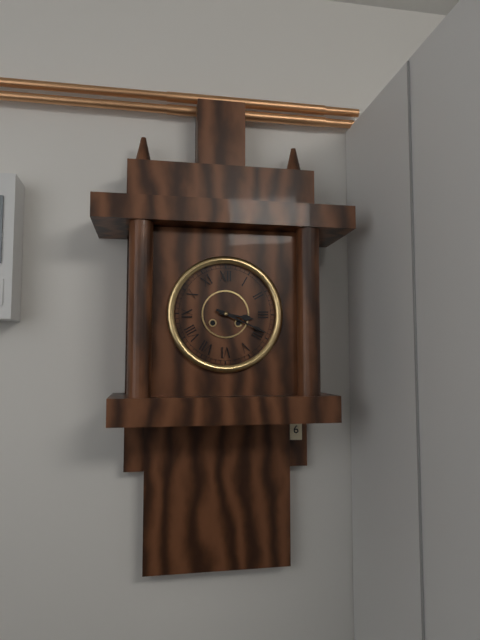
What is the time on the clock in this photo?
3:19
